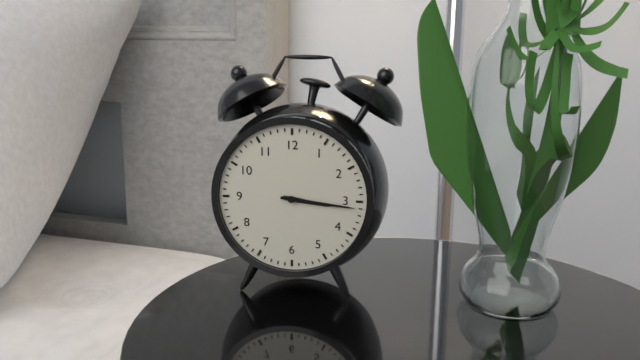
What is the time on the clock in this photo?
3:16
